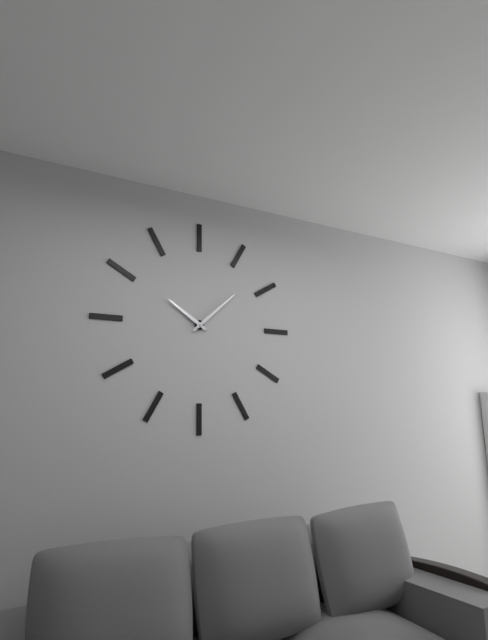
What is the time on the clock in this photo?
10:08
